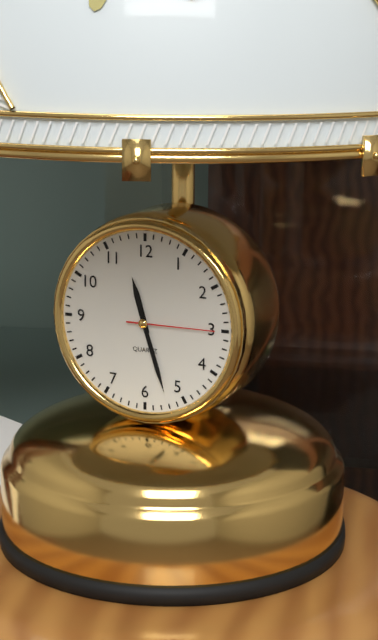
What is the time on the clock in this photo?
11:27:15
